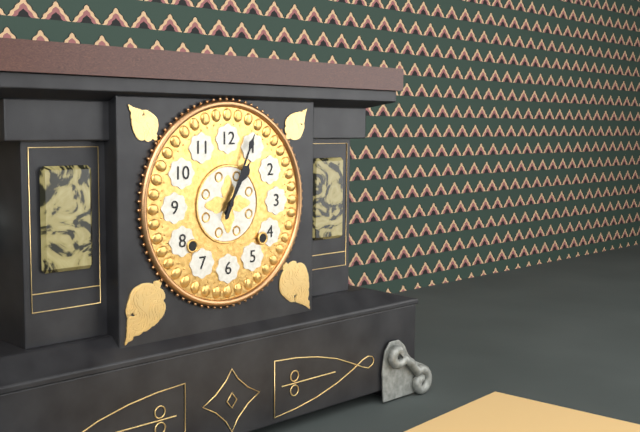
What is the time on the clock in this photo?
1:04
